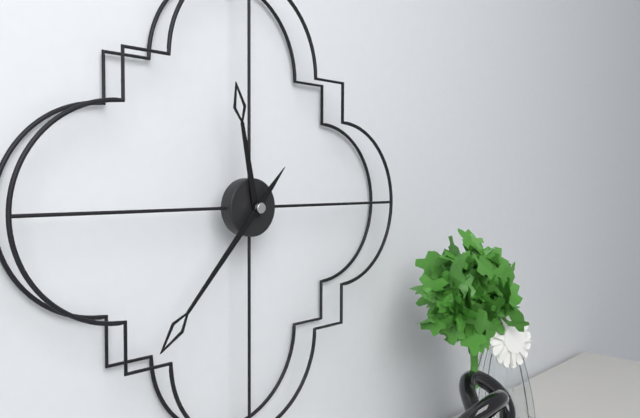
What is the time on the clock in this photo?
11:37
